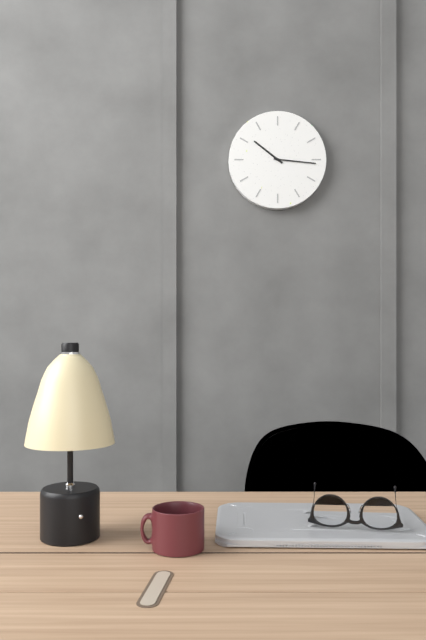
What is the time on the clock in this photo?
10:16
